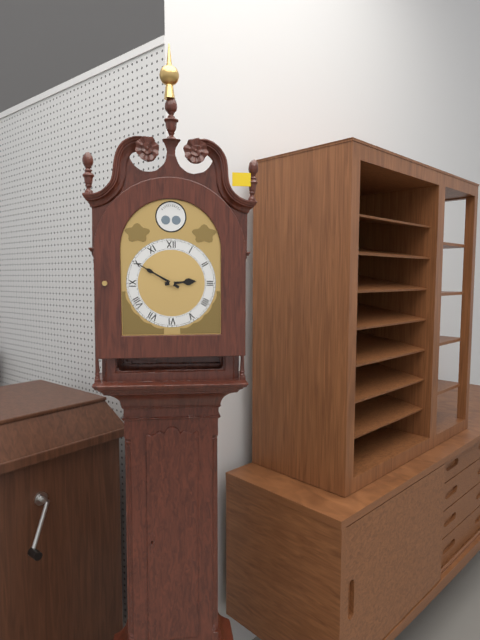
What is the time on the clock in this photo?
2:50
